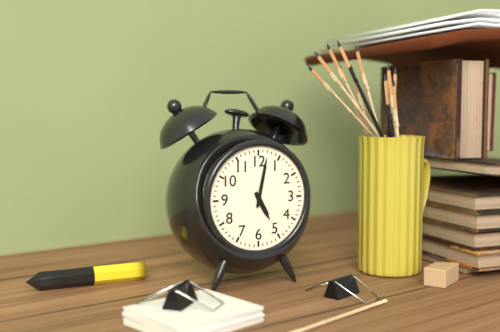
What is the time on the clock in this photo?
5:02
